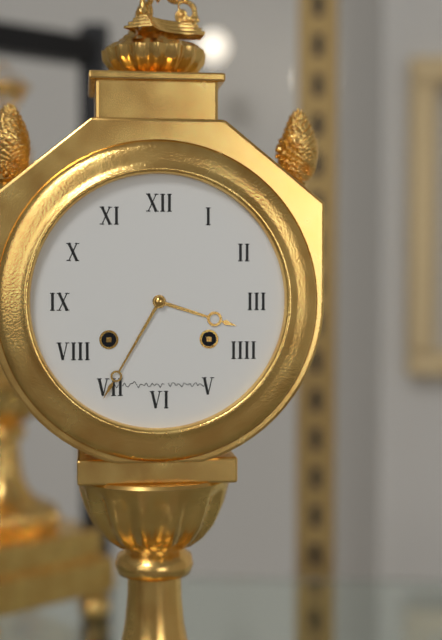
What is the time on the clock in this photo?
3:35
